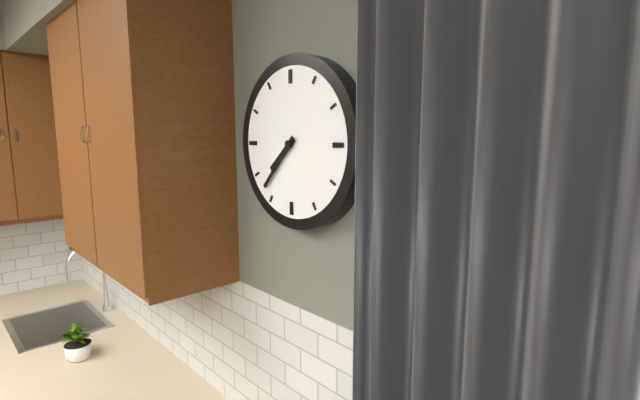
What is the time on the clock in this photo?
7:37
